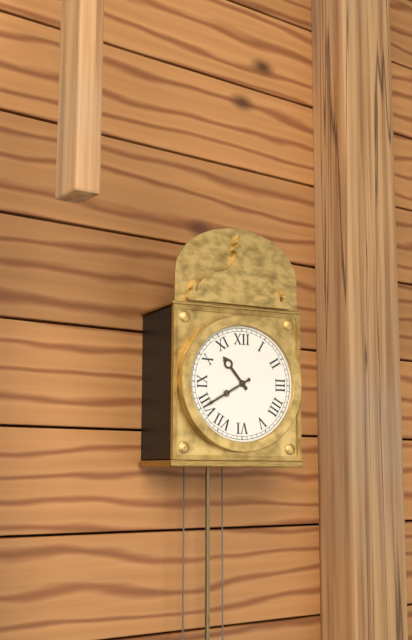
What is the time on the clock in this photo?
10:40
